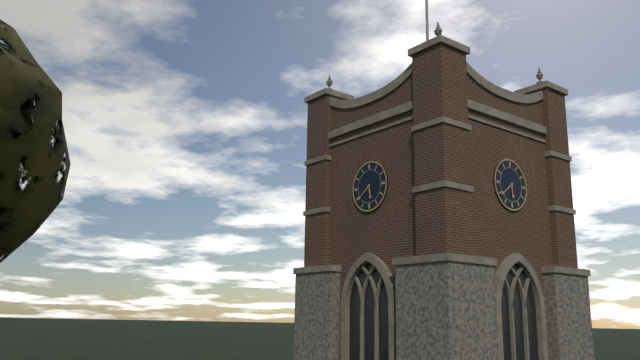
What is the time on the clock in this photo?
5:39
